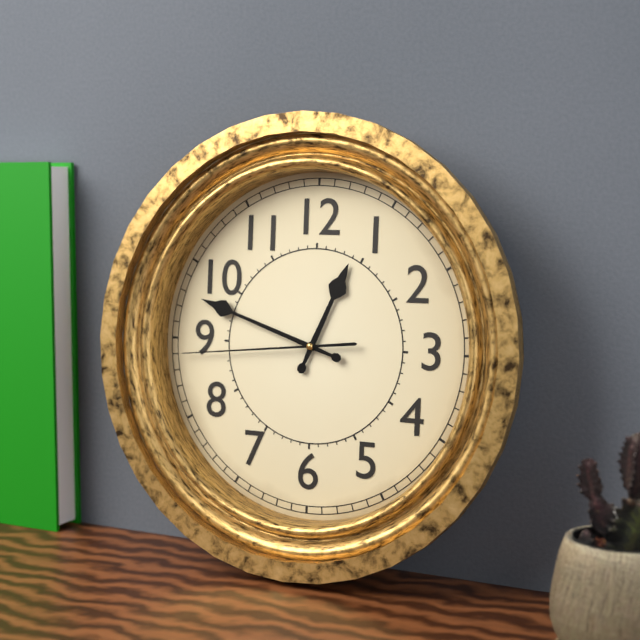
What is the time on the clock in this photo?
12:48:44
